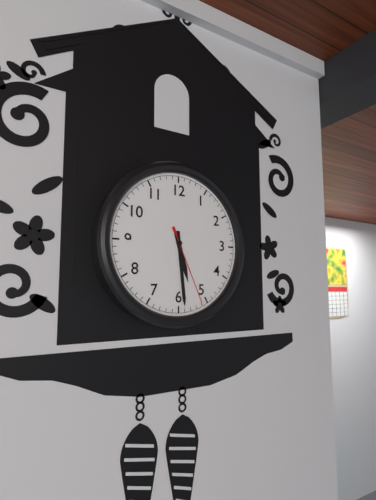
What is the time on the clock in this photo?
5:29:26
